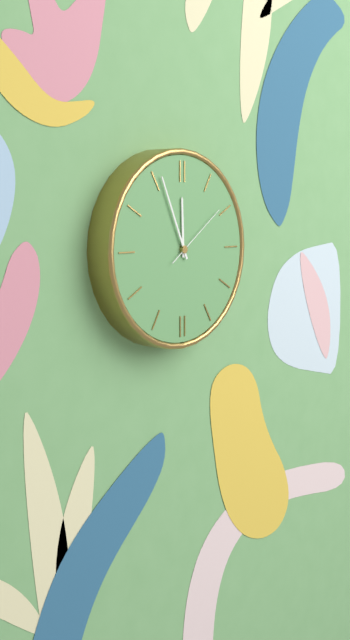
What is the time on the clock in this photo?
11:56:09
